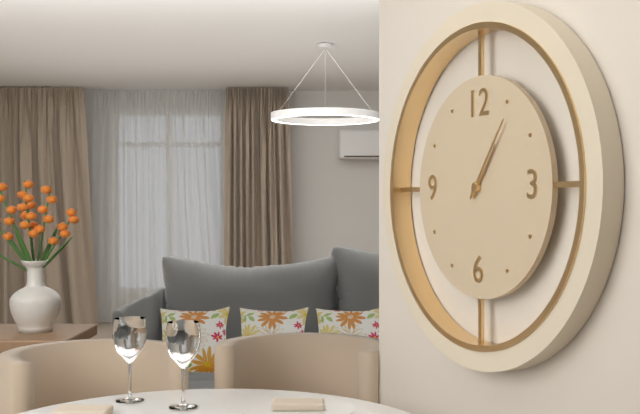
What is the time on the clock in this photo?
1:06
